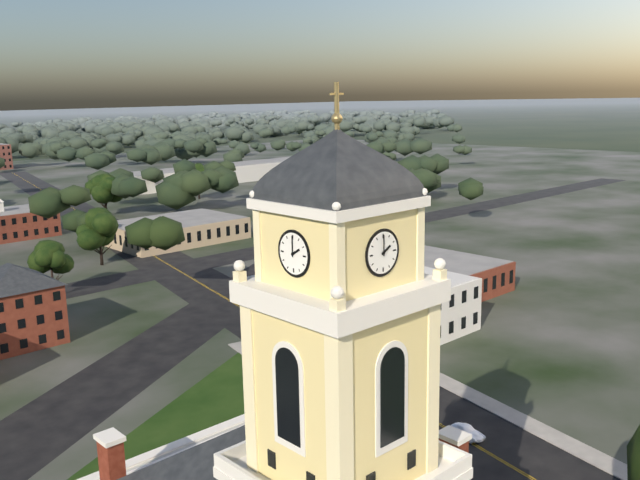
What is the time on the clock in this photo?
2:00
